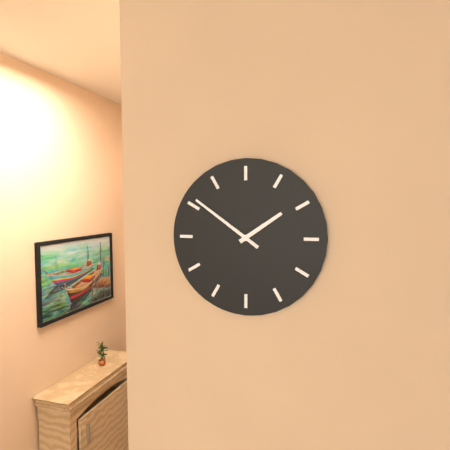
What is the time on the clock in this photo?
1:51
